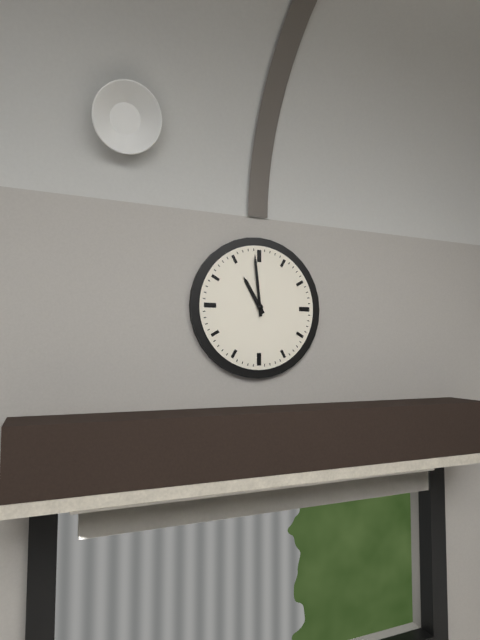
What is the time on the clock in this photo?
10:59
